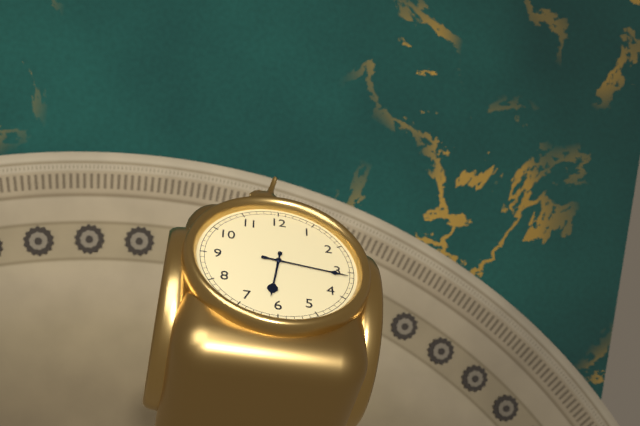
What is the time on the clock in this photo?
6:16
